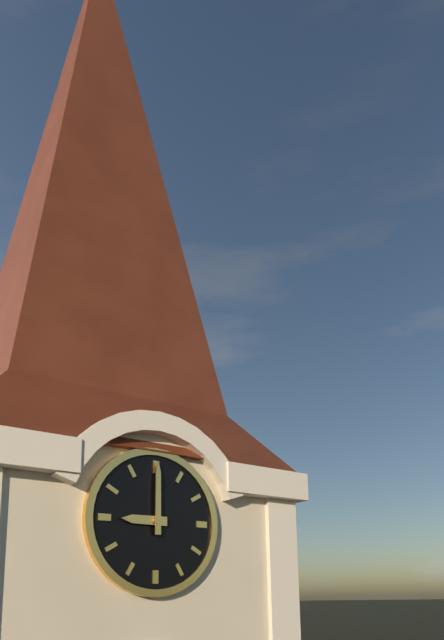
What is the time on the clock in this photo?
9:00
